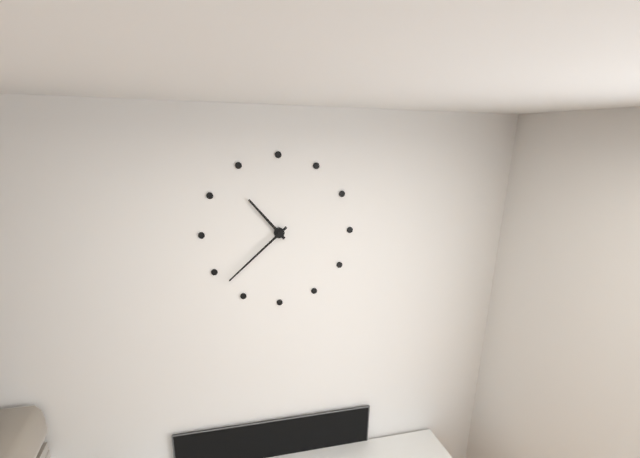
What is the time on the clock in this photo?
10:38
